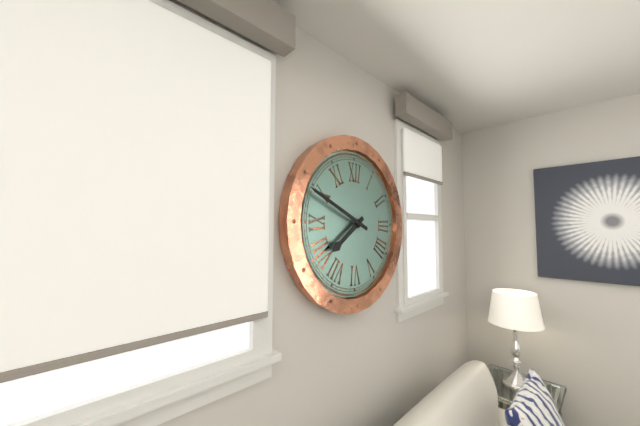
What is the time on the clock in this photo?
7:49
